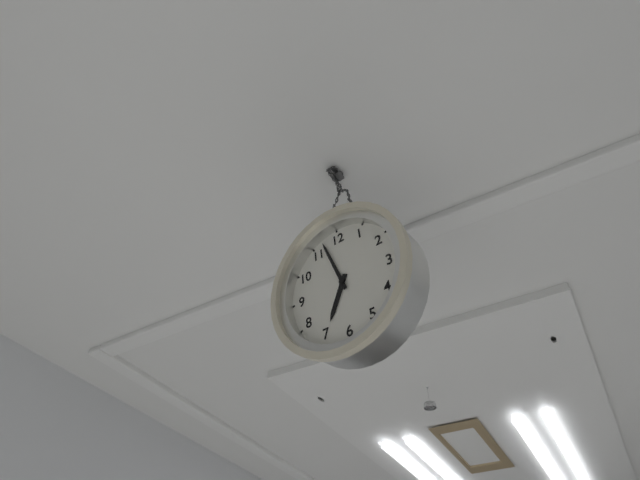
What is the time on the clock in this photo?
6:57
